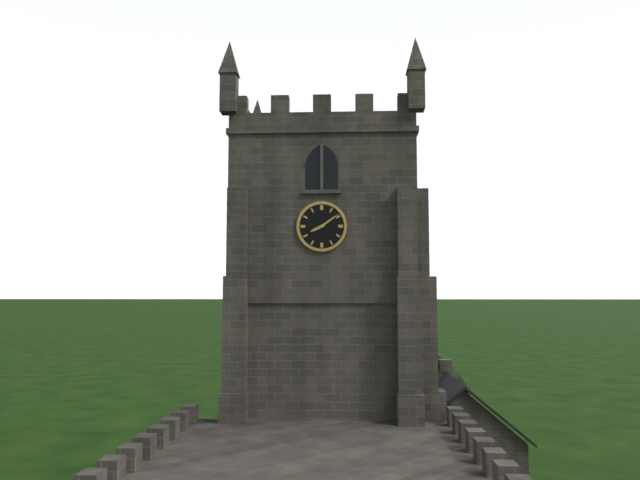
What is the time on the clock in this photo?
8:09
